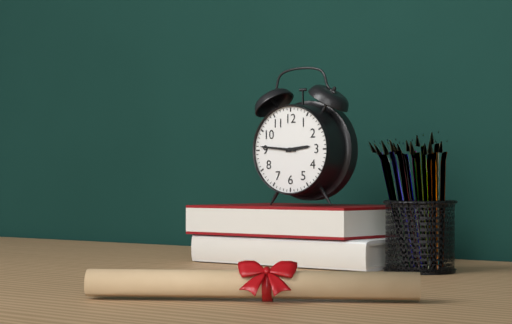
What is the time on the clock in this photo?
2:46
